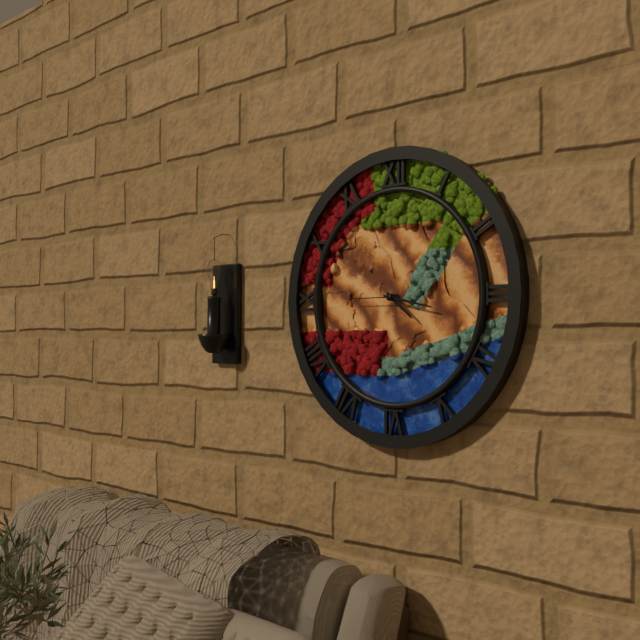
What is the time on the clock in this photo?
4:17:45
